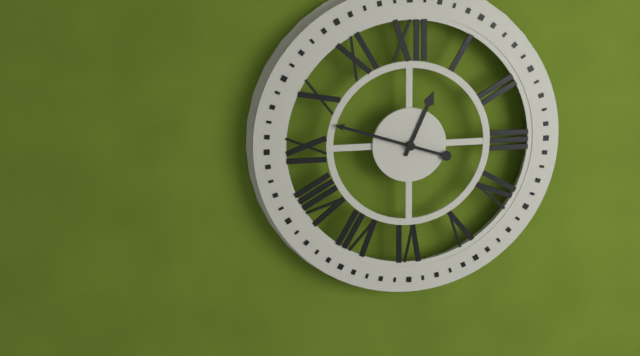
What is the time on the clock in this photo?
12:48
